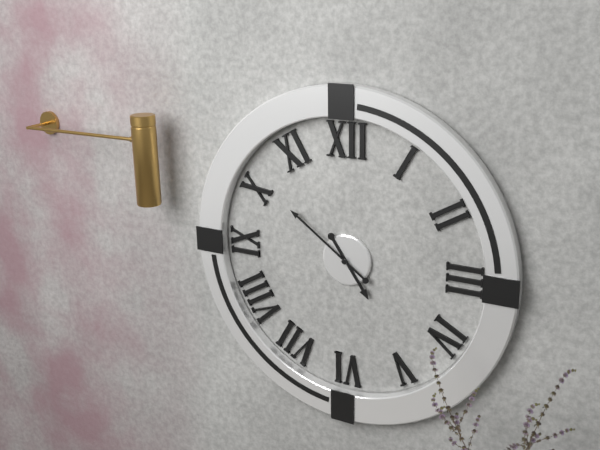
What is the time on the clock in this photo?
4:51
